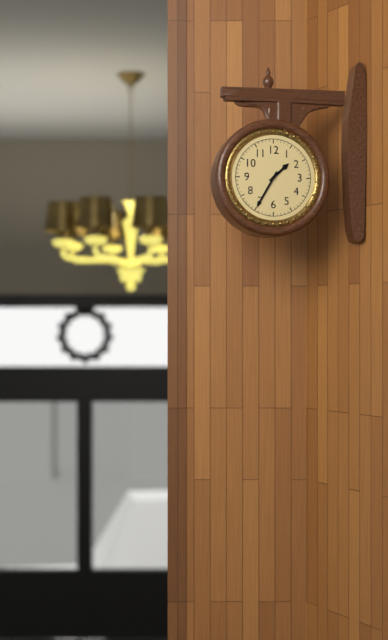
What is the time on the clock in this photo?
1:35
